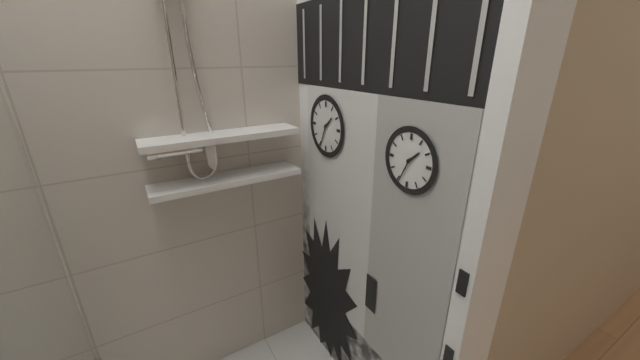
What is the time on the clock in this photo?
1:34
